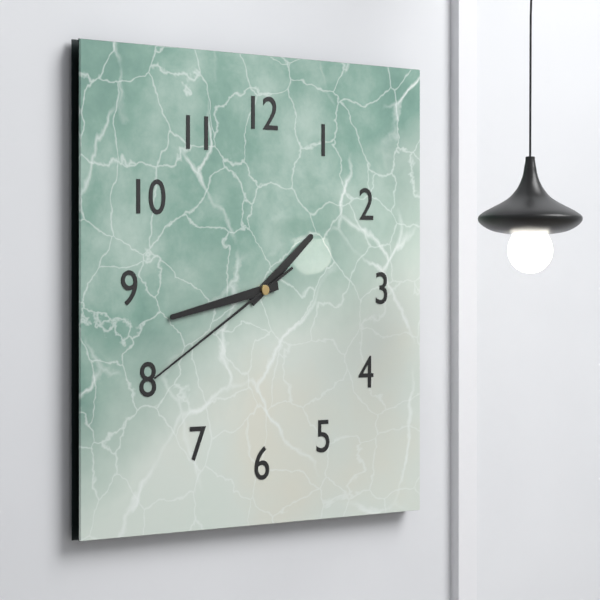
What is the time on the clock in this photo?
1:43:40
